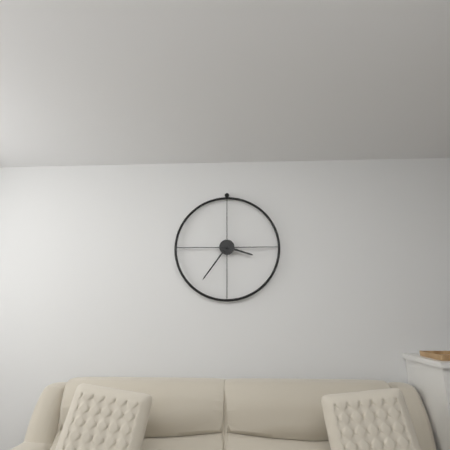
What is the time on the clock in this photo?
3:36
